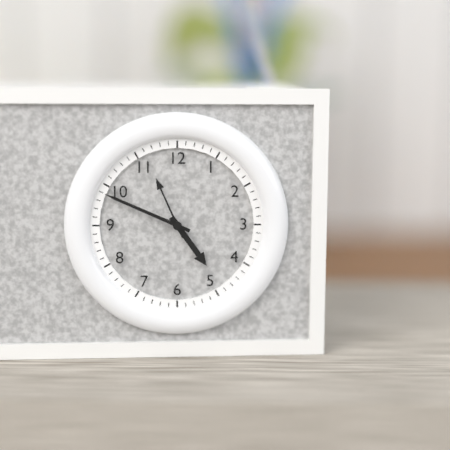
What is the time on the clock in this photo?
4:49:56
